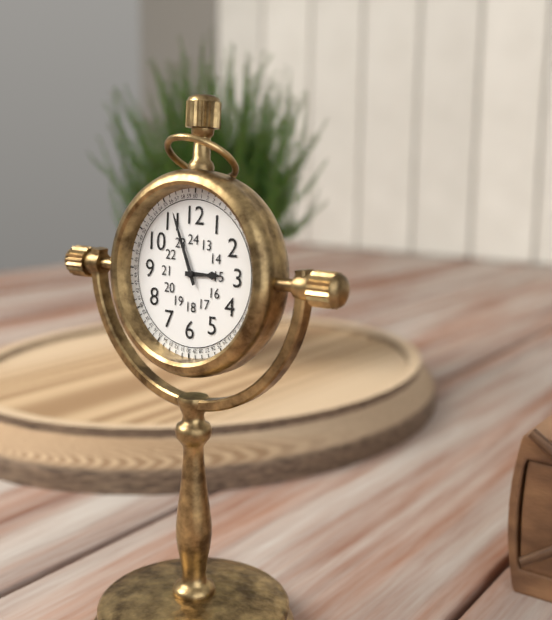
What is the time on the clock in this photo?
2:56
